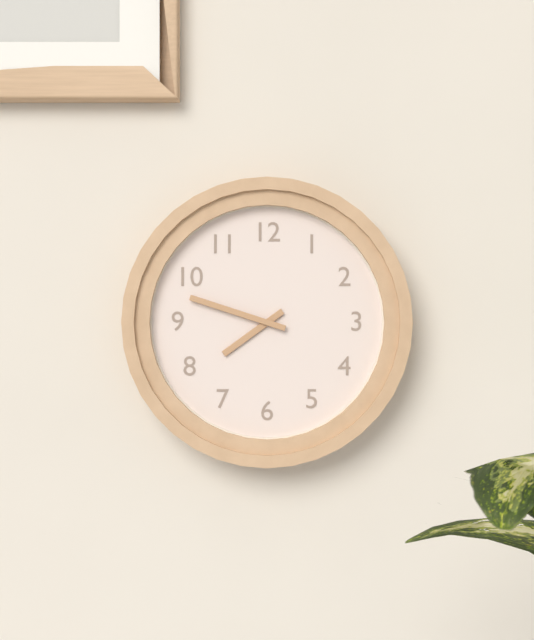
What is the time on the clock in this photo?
7:48
